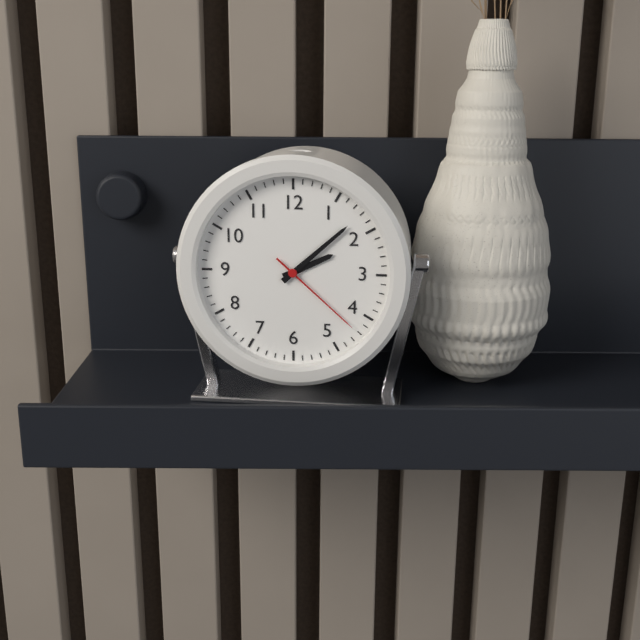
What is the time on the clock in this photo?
2:08:22
